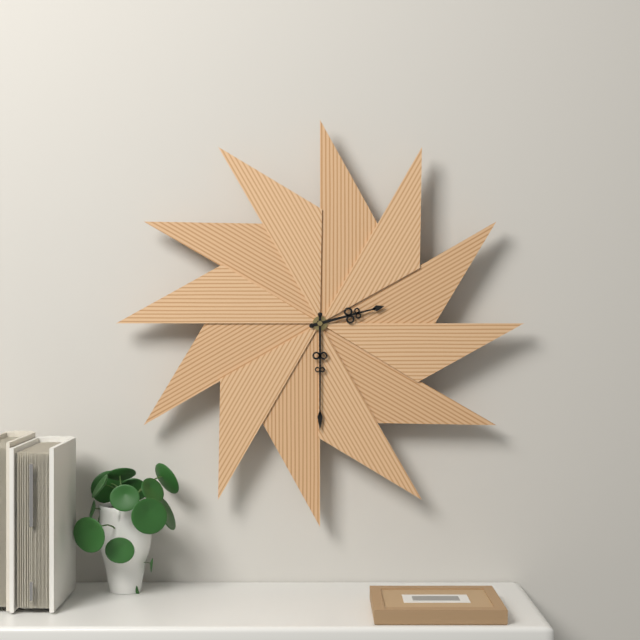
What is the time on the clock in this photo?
2:30
